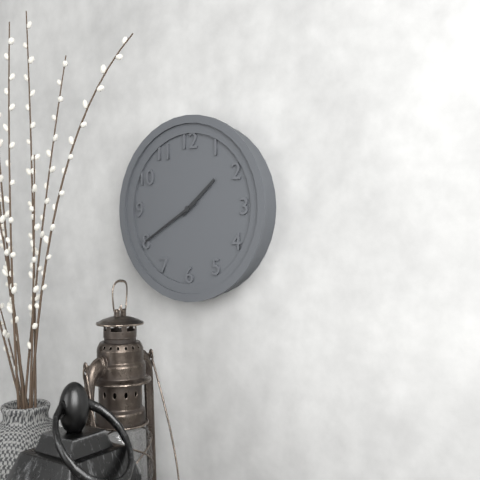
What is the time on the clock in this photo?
1:40
